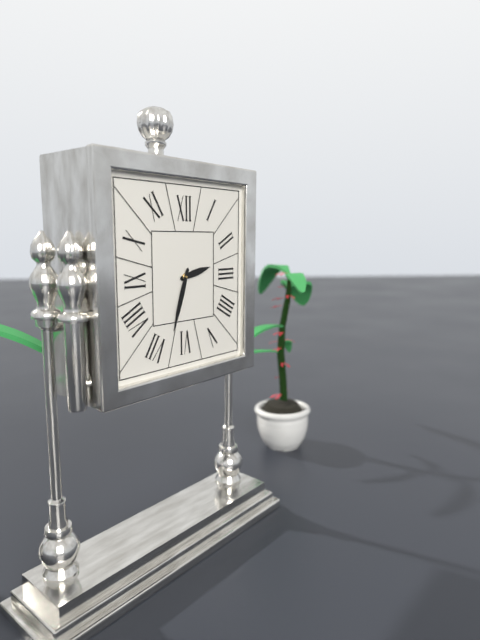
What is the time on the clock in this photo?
2:33
